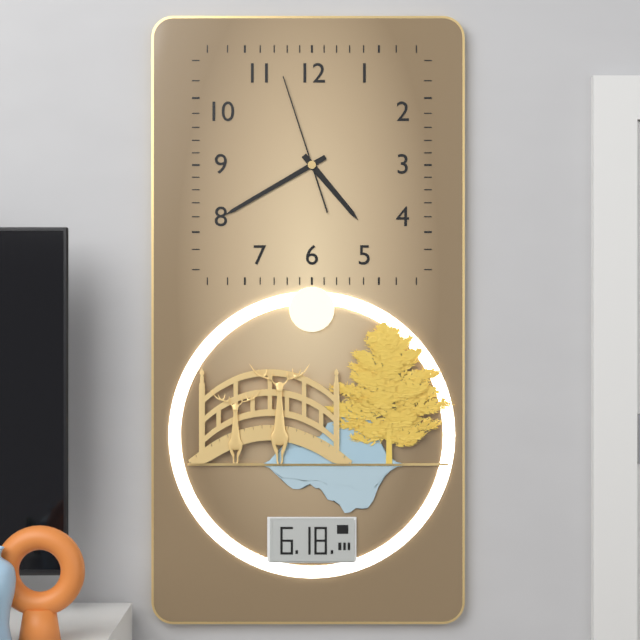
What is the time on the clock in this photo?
4:40:57
